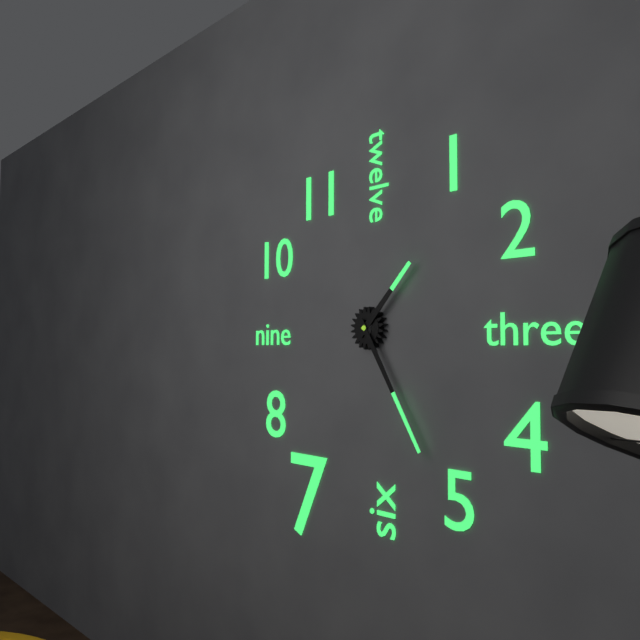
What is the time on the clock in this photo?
1:25
